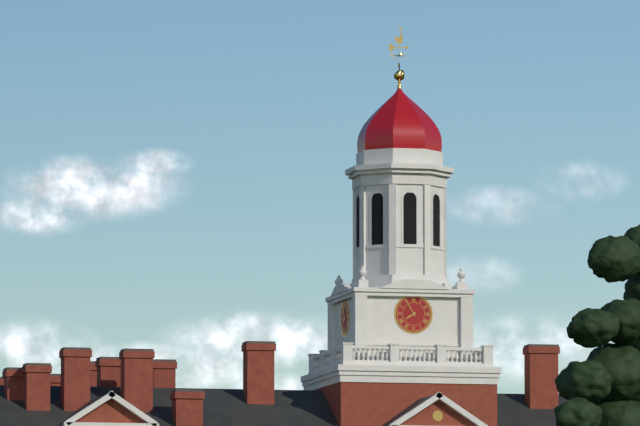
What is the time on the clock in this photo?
7:55
